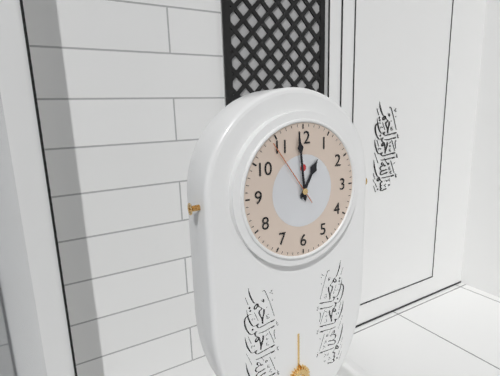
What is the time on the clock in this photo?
12:59:54
